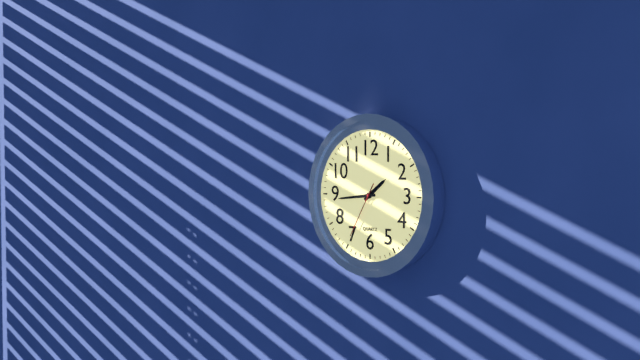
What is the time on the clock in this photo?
1:44:35
